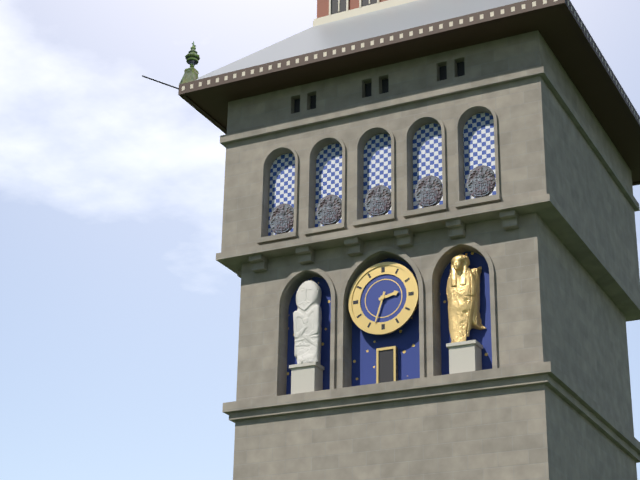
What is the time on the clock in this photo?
2:33
